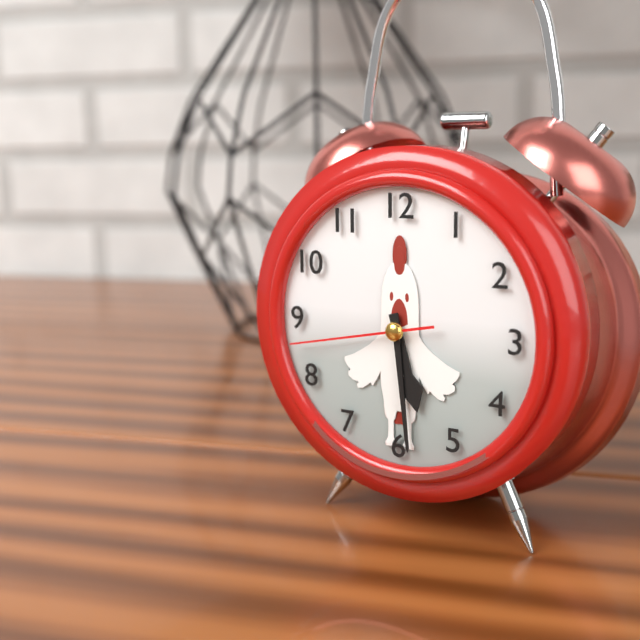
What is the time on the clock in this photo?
5:29:43
